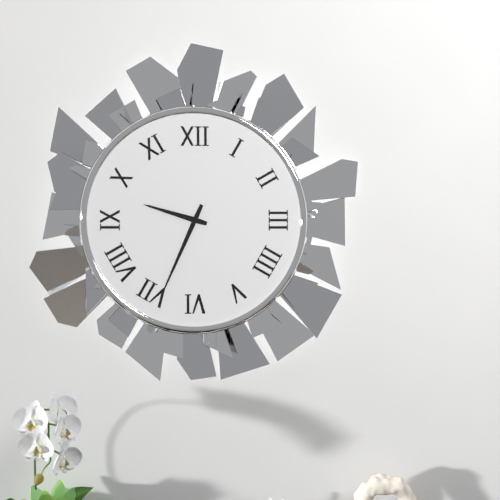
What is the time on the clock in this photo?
9:34
